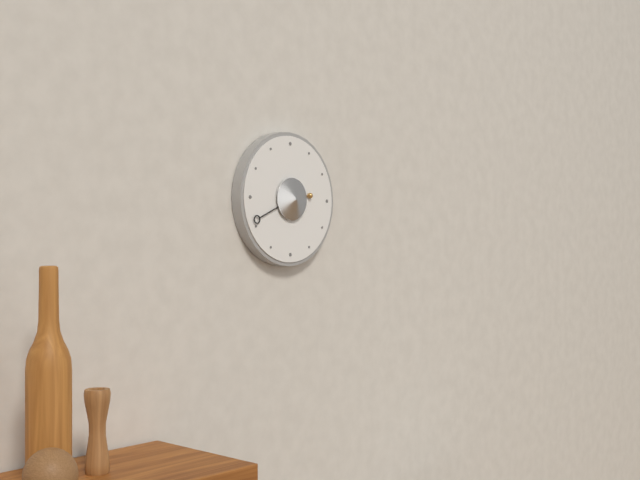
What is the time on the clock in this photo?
2:41
